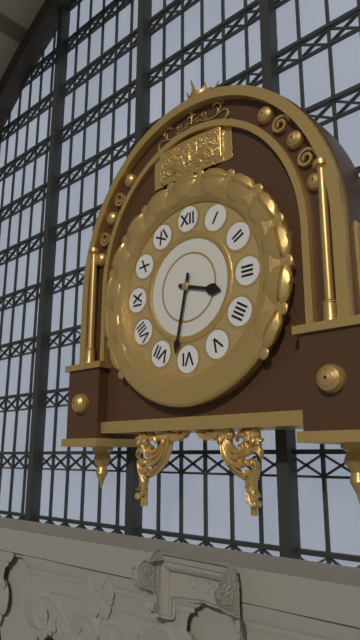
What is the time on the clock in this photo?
3:32
